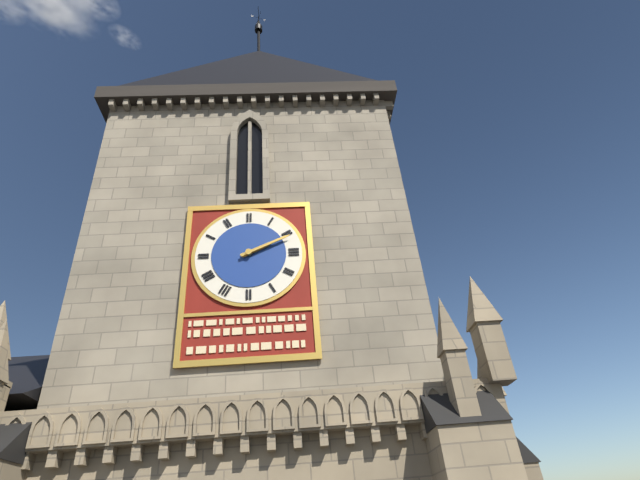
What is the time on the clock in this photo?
2:11
